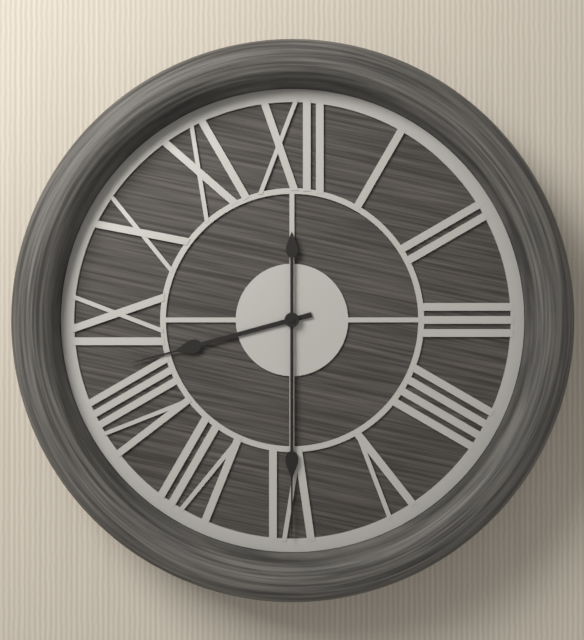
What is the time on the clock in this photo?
8:30
